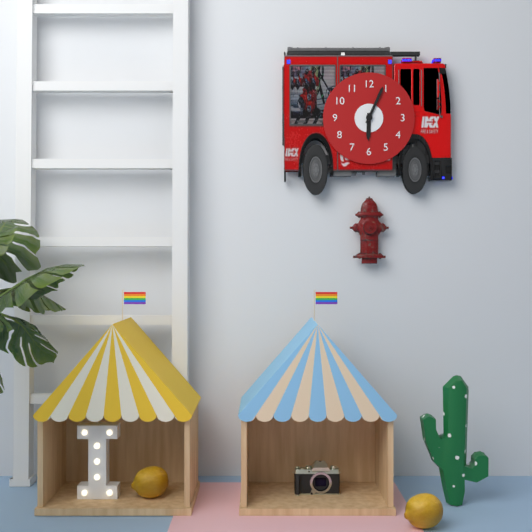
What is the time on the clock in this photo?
6:04
